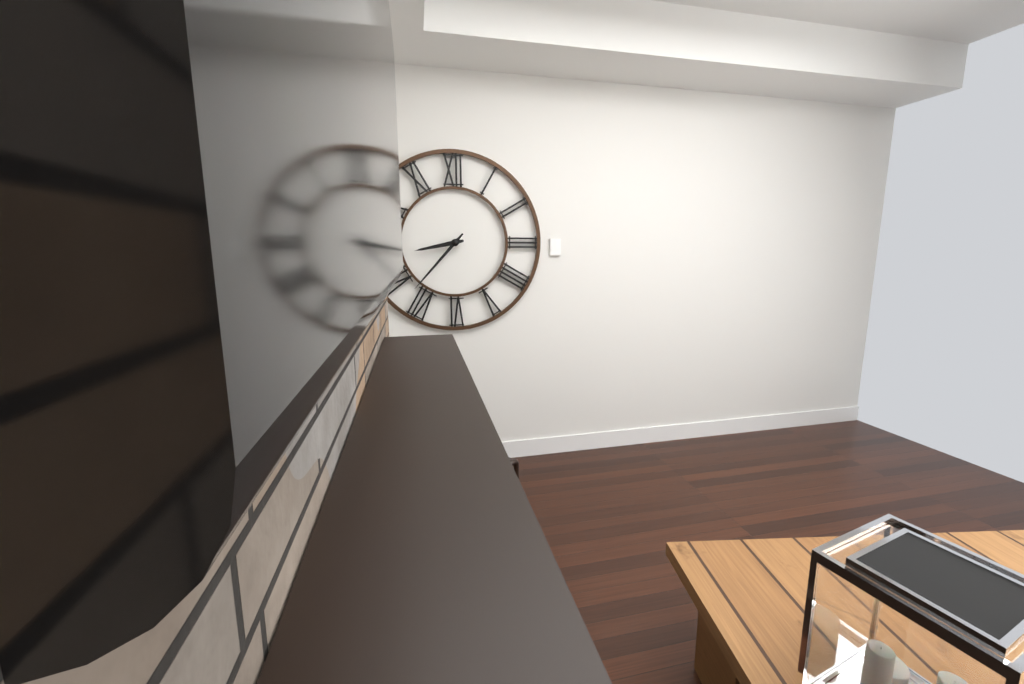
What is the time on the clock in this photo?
8:37
